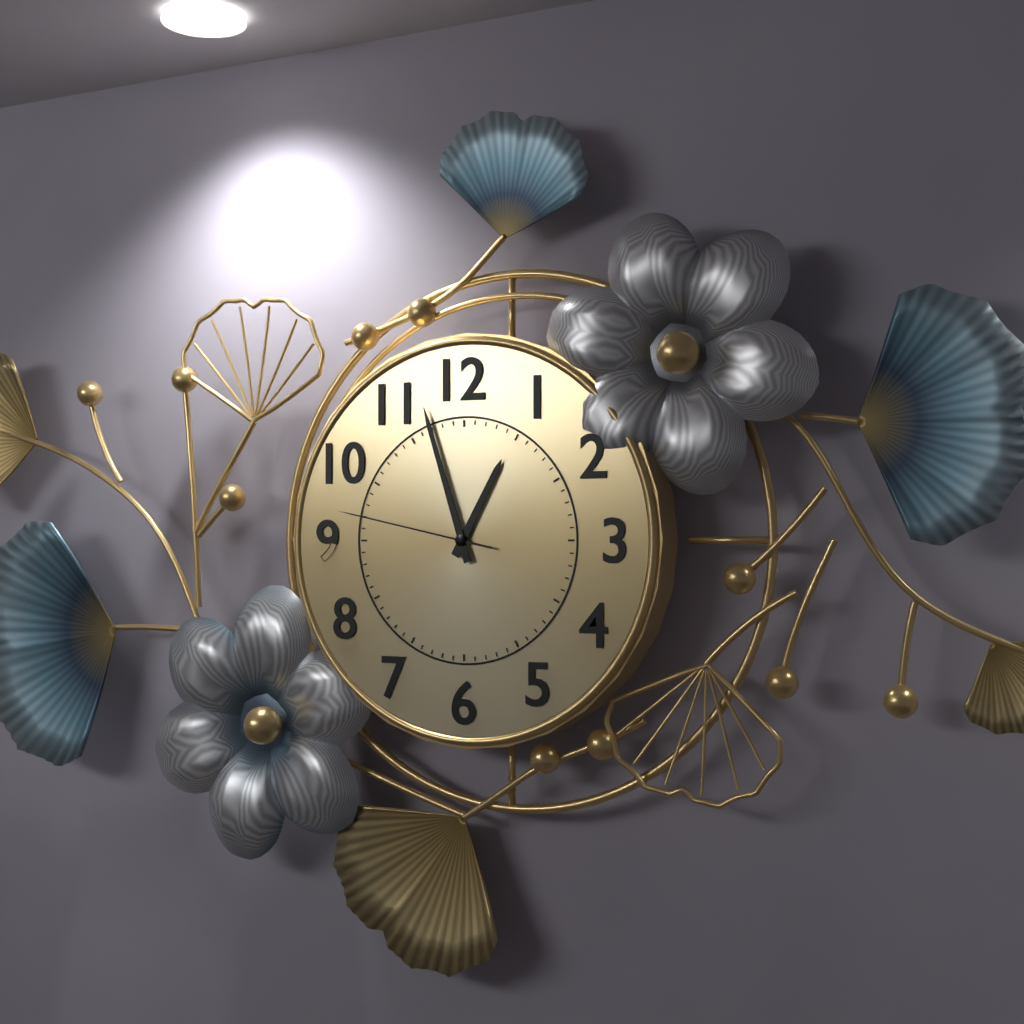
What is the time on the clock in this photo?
12:57:47
